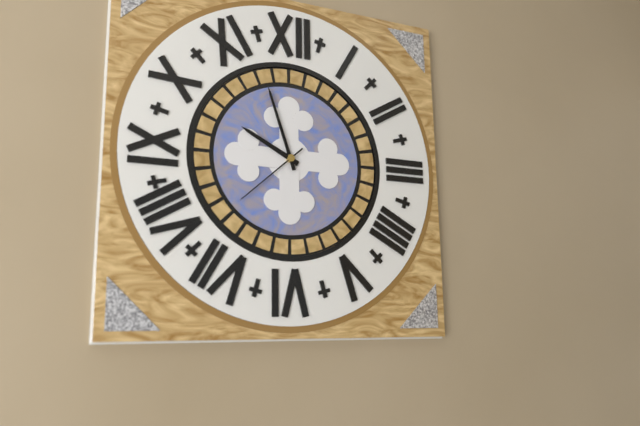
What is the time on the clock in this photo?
9:57:38
